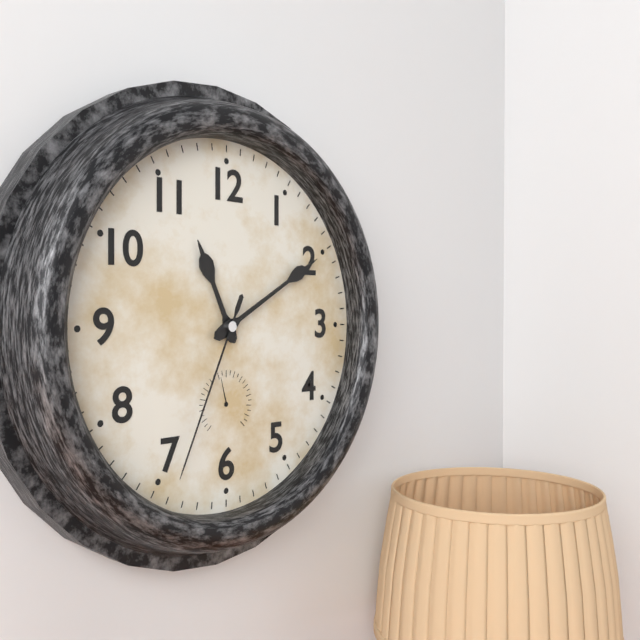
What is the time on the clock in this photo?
11:10:34
